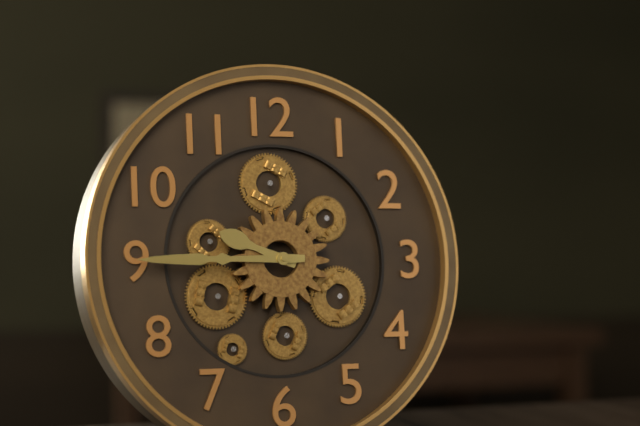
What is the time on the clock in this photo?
9:45
